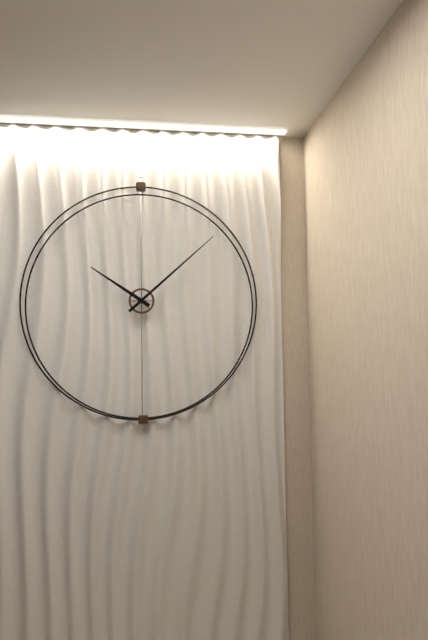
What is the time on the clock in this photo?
10:08
